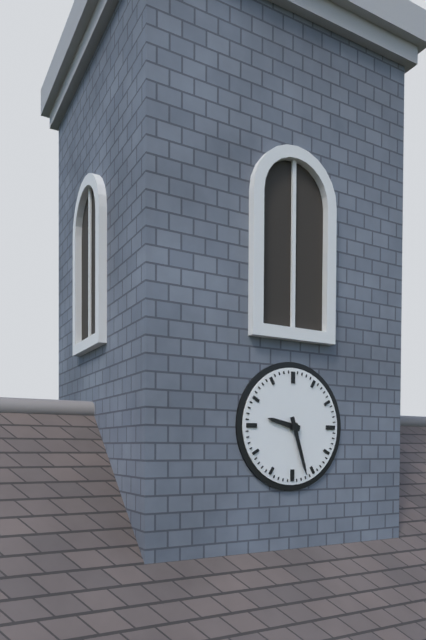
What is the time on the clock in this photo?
9:27
